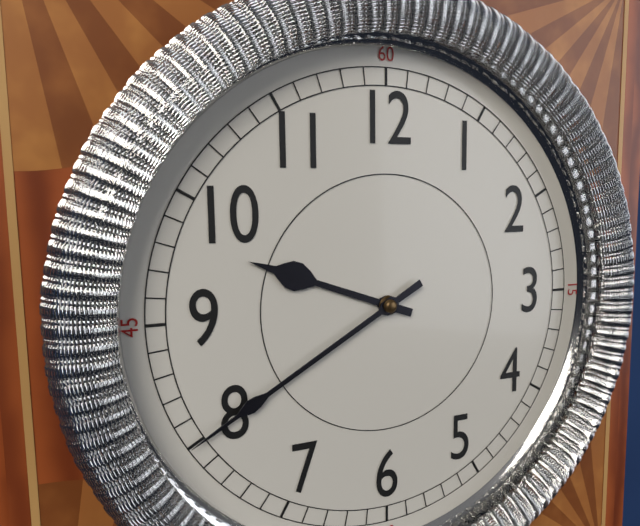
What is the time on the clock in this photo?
9:40
